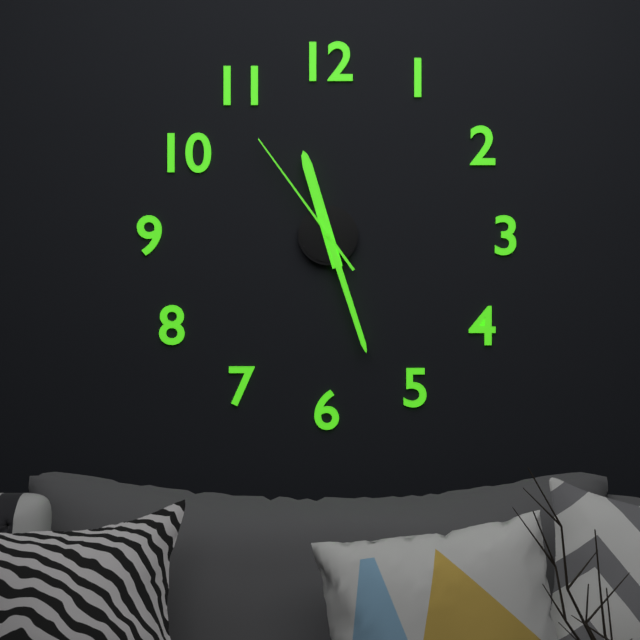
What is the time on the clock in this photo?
11:27:54
